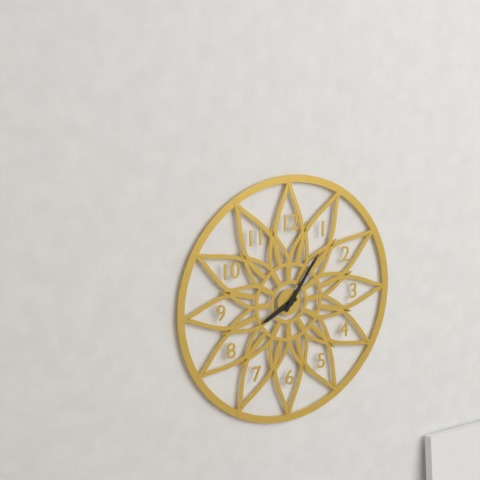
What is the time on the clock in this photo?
8:06
